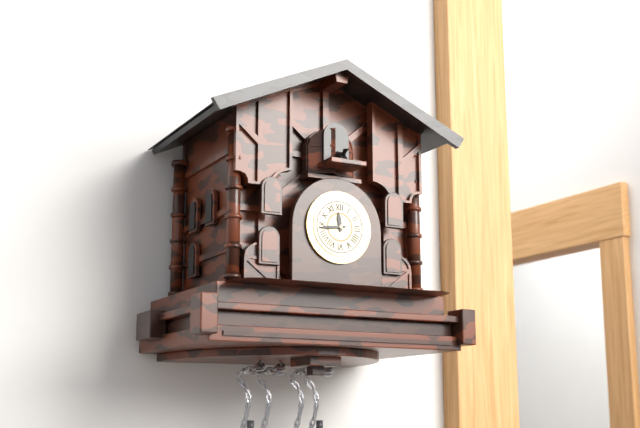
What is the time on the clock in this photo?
11:44
